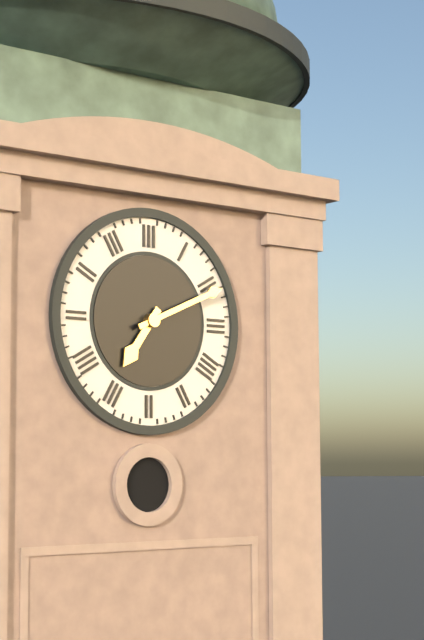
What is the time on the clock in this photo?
7:11
